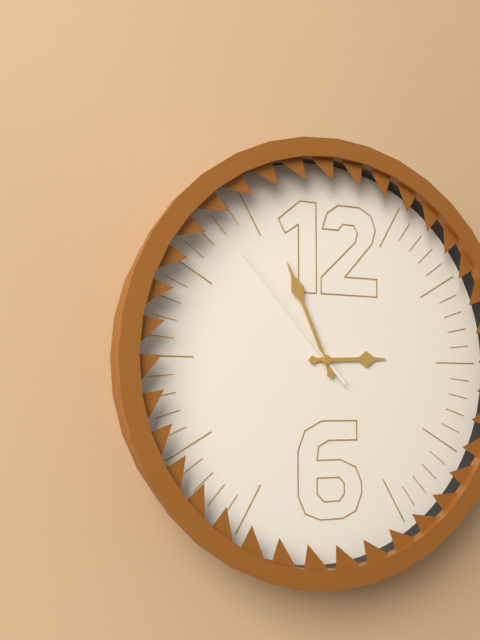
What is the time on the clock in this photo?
2:56:53
